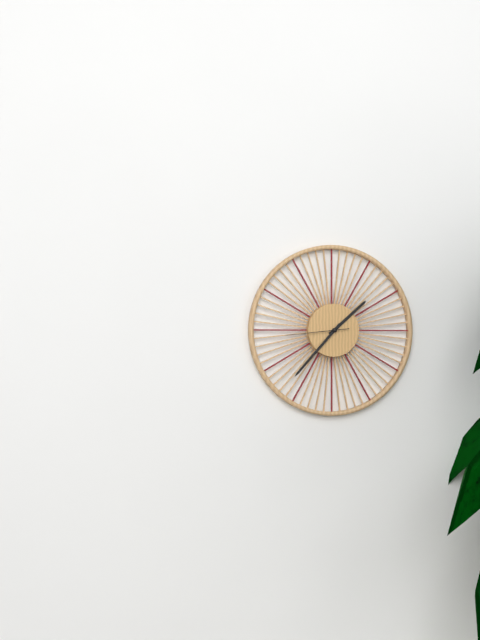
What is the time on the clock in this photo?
1:37:44
